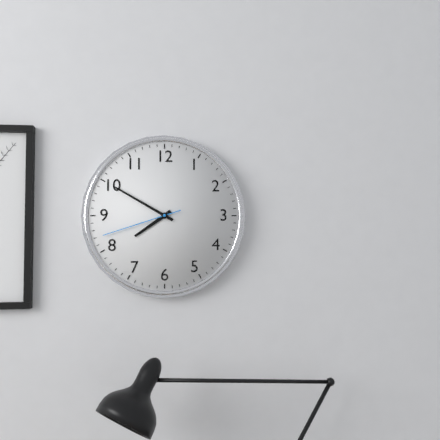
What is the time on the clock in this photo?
7:50:42
